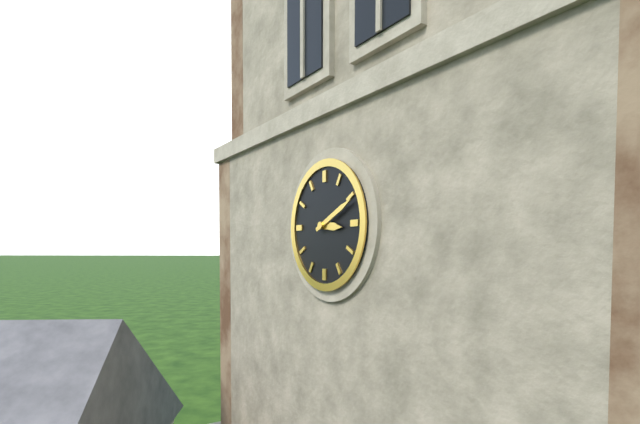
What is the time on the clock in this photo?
3:11
